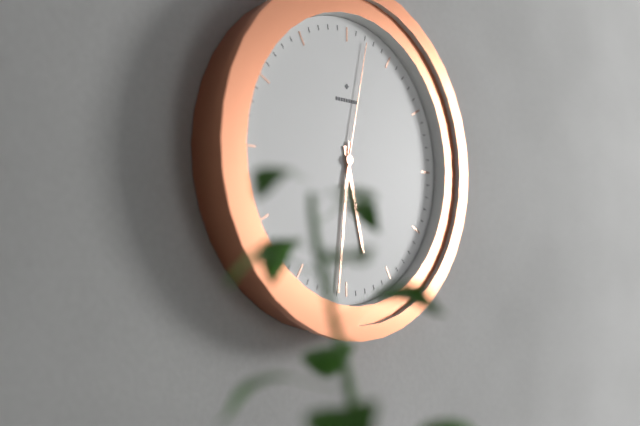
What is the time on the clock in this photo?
5:31:02
